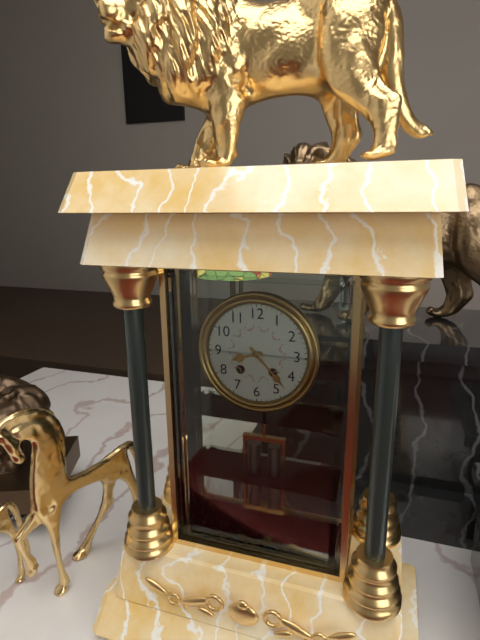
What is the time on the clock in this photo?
8:23
